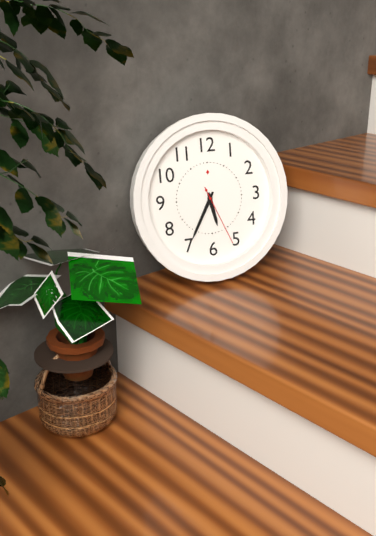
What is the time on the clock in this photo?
5:35:26
